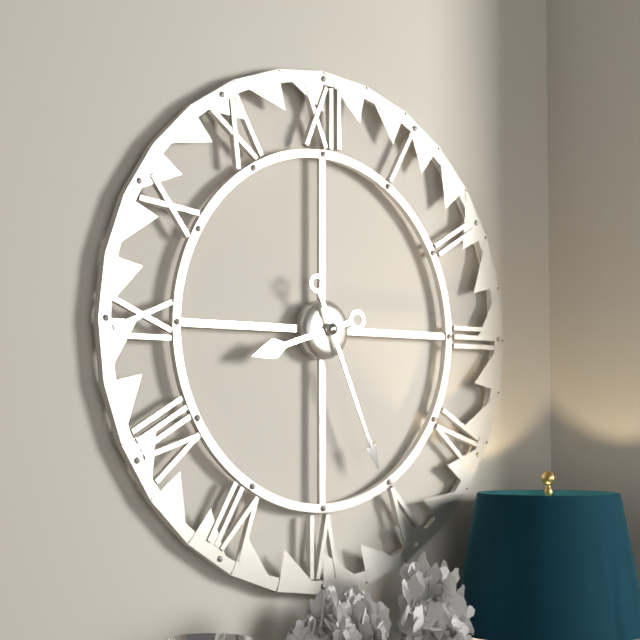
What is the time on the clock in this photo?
8:26
